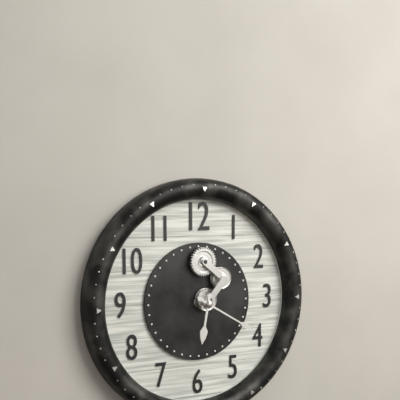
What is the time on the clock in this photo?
6:20
